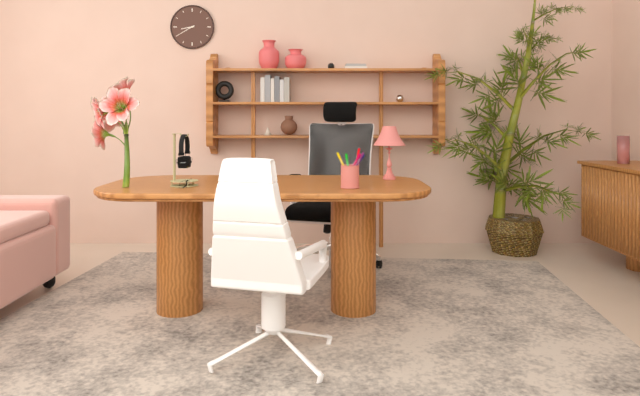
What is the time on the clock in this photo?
8:40
